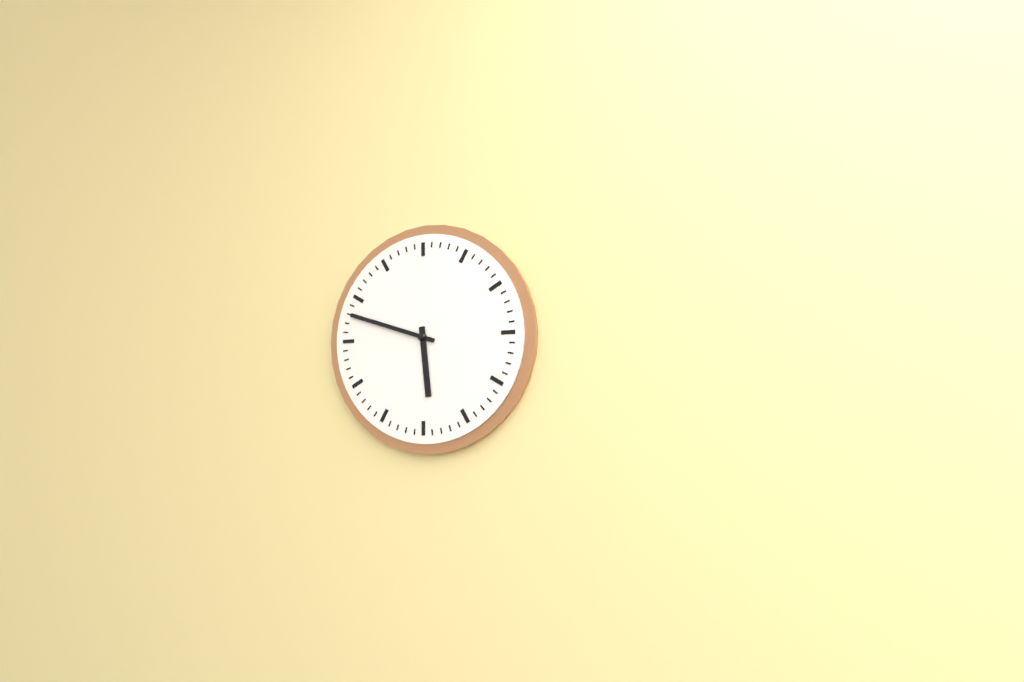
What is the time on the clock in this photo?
5:48
